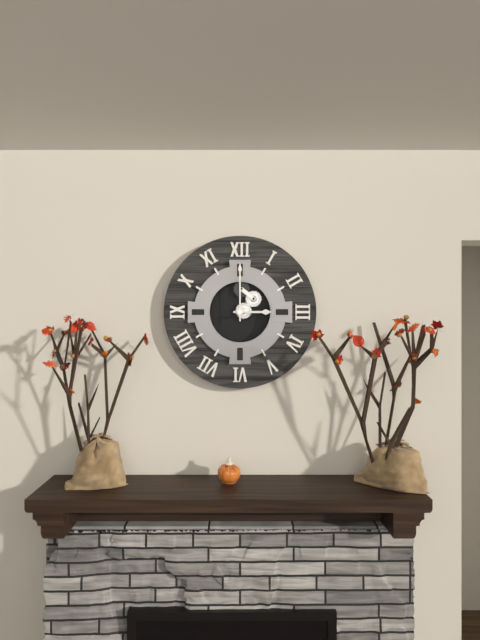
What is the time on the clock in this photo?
3:00
